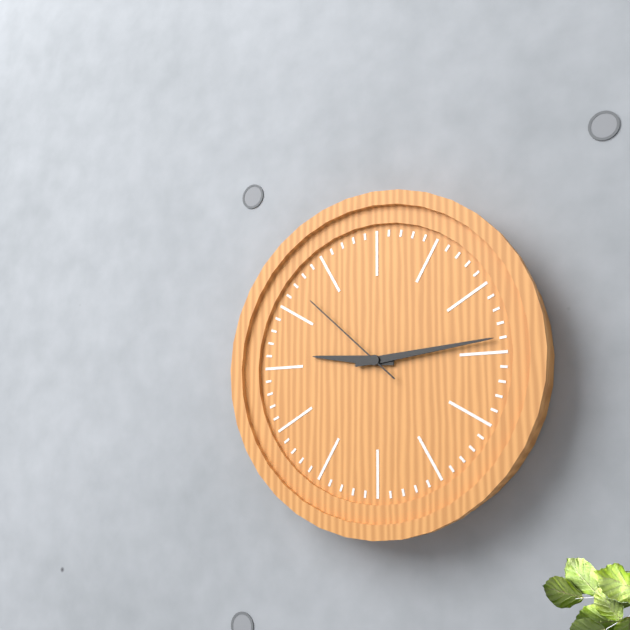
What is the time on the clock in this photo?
9:14:52
